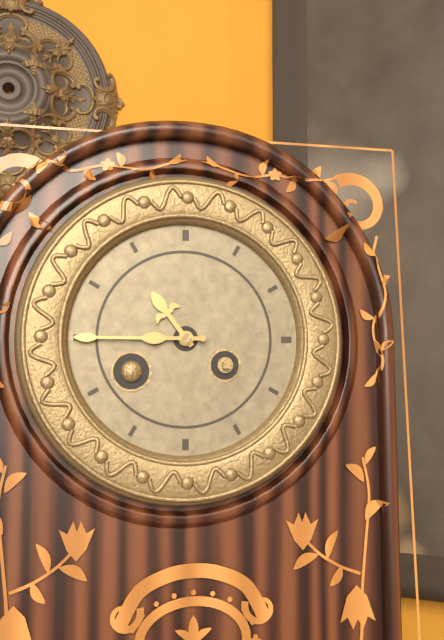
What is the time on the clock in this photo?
10:45
